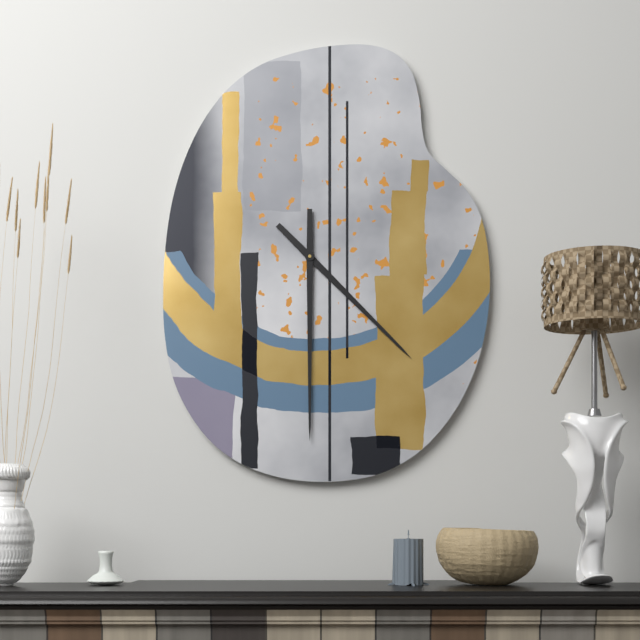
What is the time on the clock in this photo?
4:30
